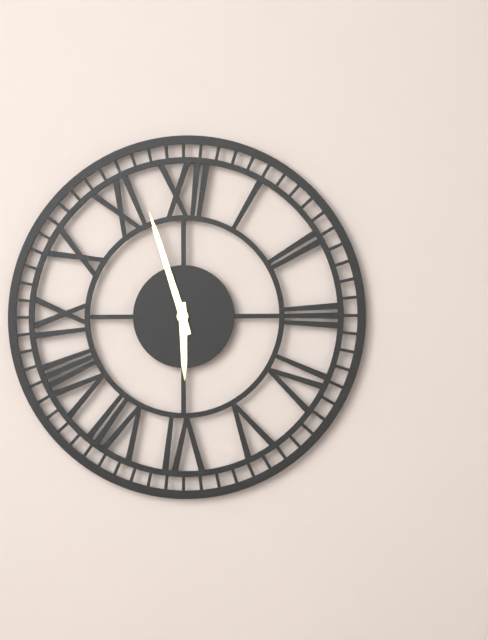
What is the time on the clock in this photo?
5:57
